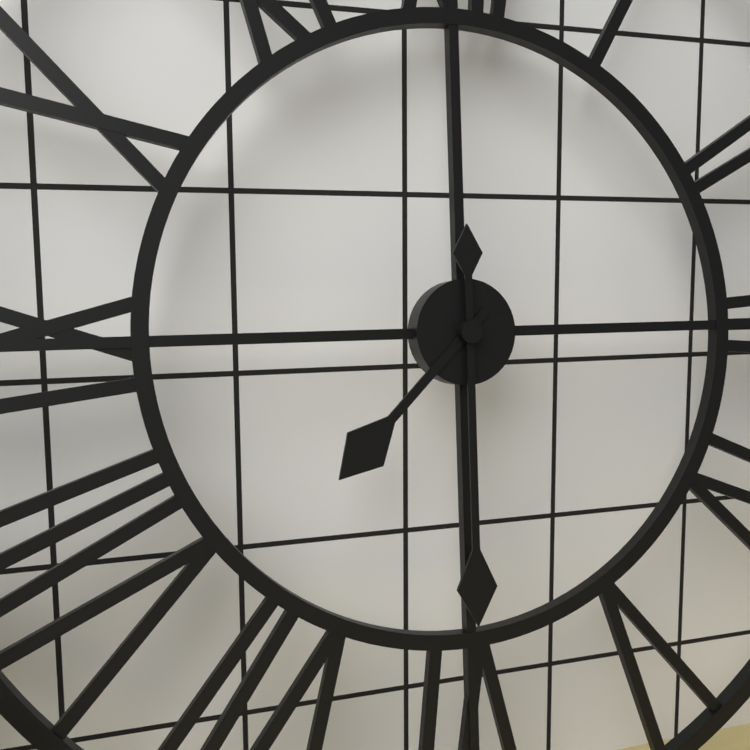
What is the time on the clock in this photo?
7:30
